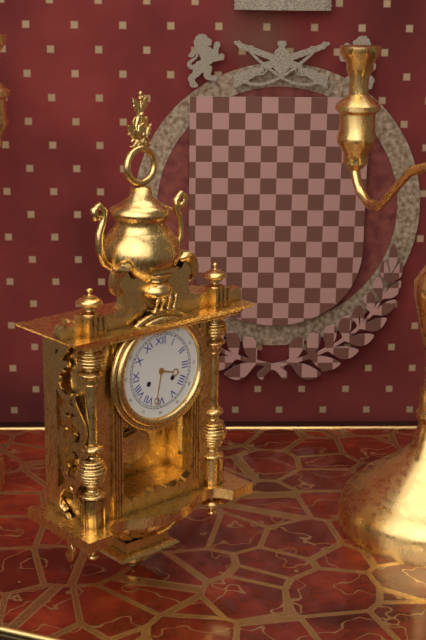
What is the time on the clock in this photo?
3:32
